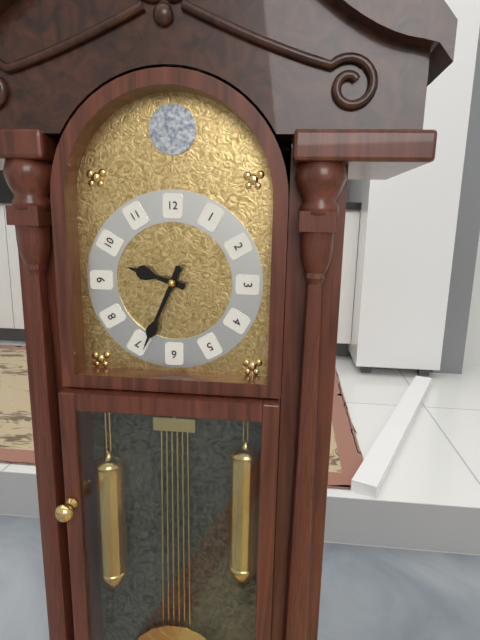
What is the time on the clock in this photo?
9:34
